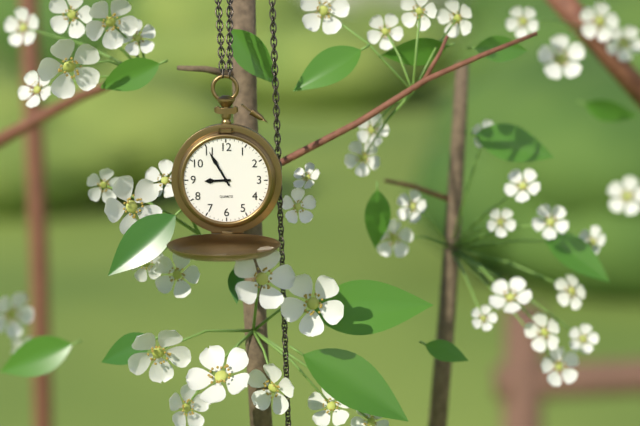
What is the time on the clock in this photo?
8:55
